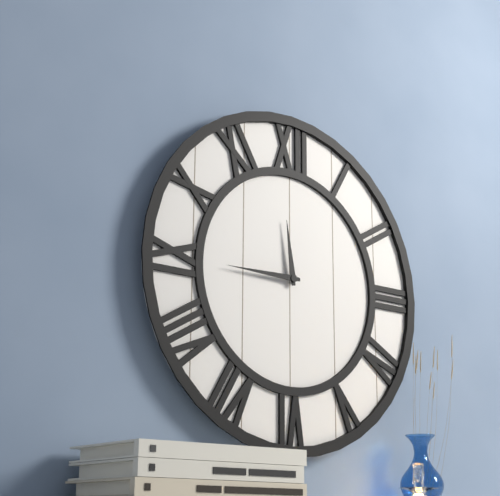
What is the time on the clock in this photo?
11:45
